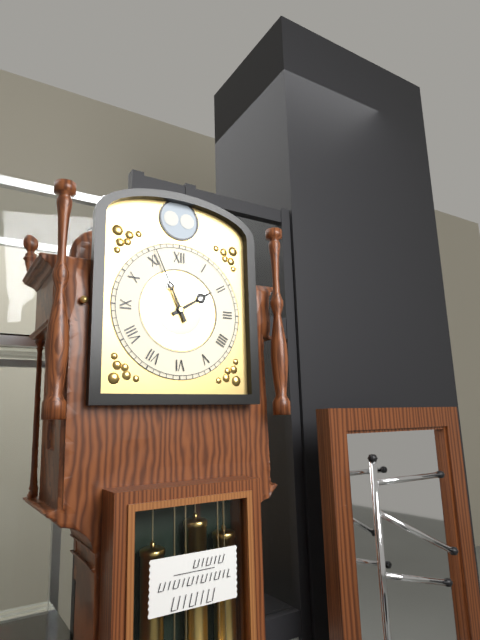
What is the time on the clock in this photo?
1:56
